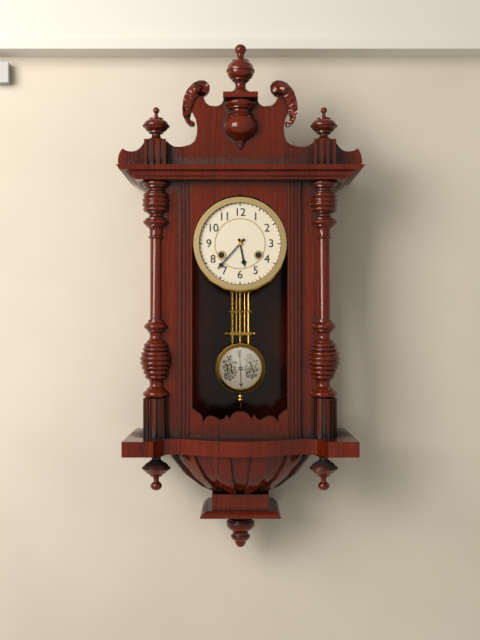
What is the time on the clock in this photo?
5:37
